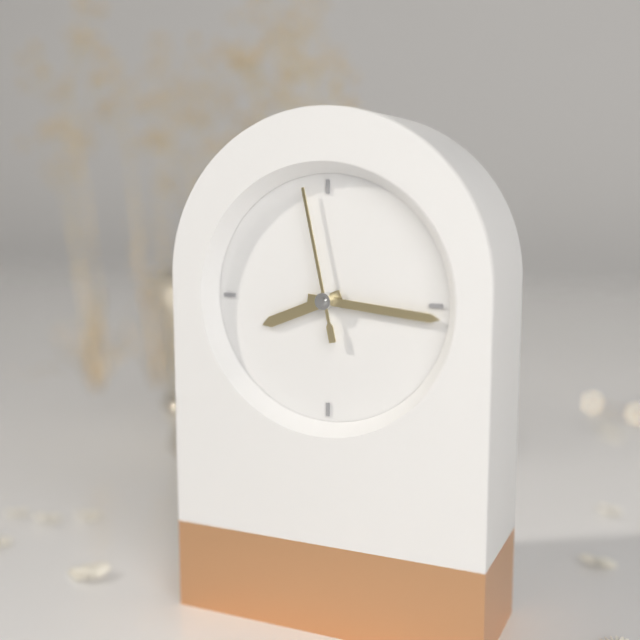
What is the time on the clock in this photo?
8:16:58
